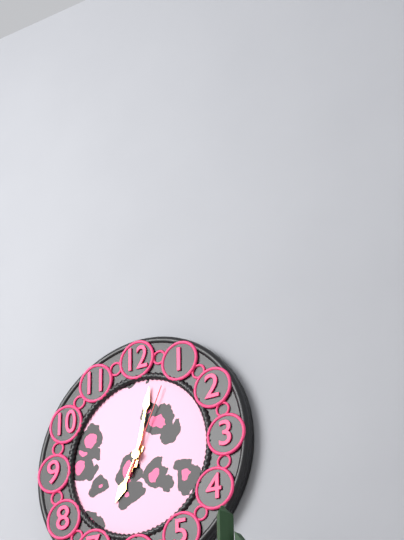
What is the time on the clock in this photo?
7:02:04
